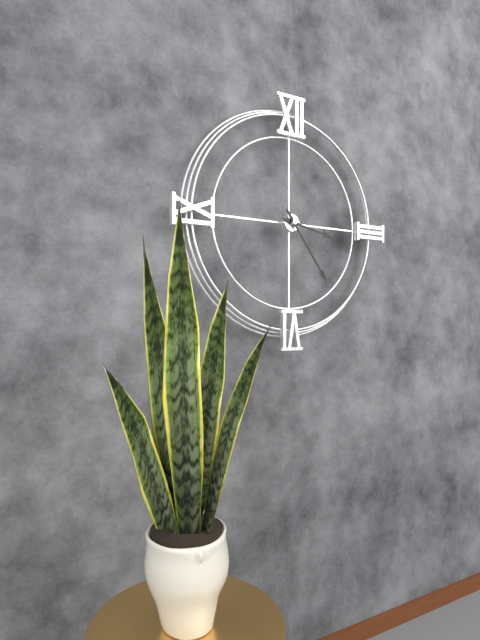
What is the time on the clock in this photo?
3:24
